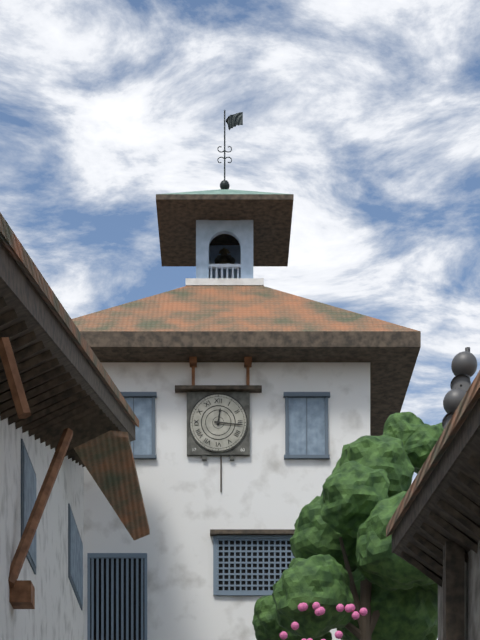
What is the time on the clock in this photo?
12:16
